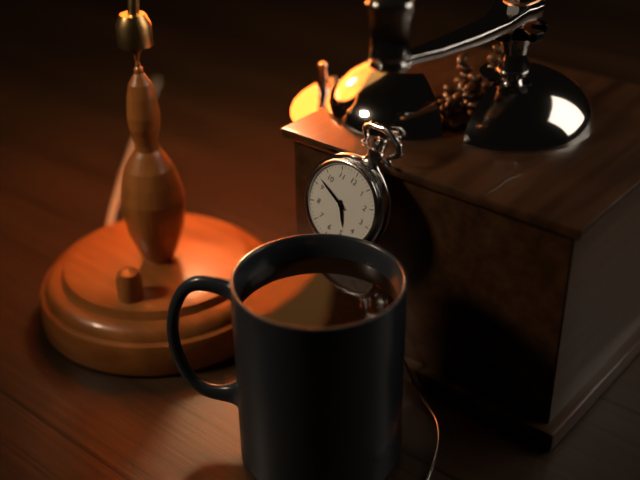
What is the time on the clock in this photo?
4:47
